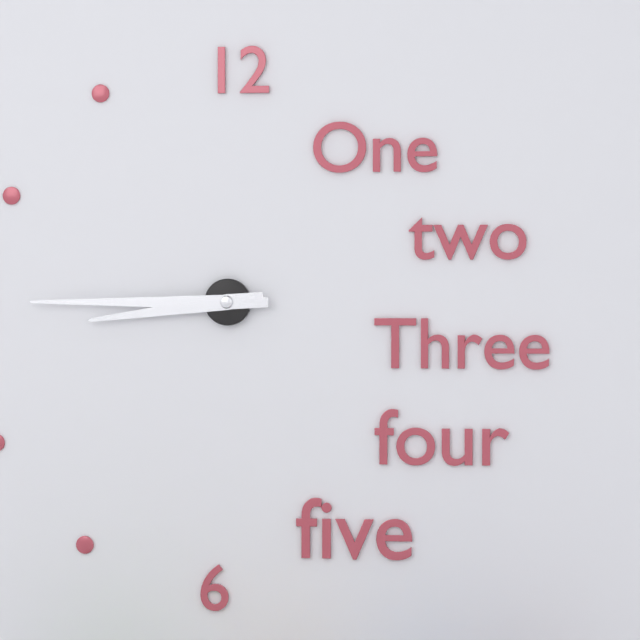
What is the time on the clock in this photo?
8:45
